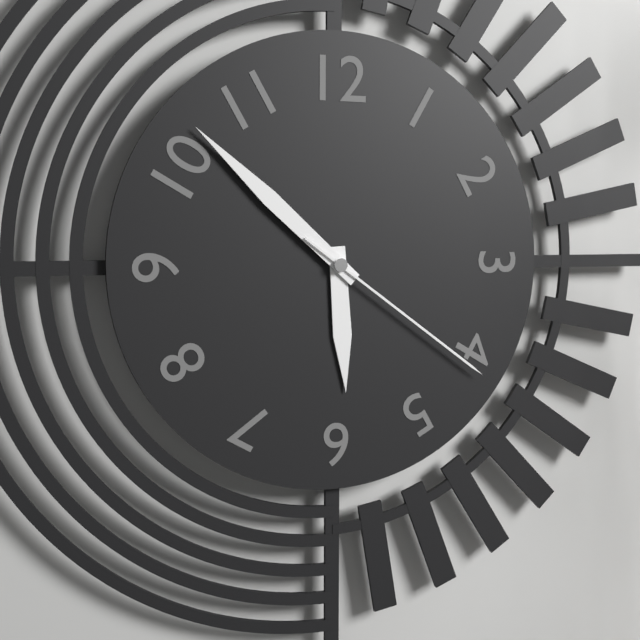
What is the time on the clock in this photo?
5:52:21
